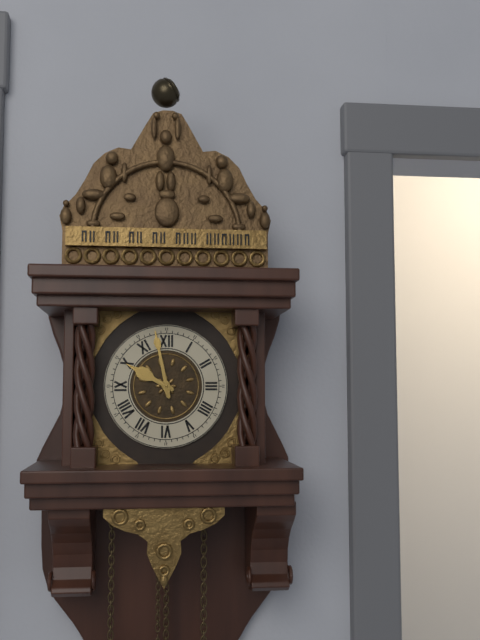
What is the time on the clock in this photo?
9:58
